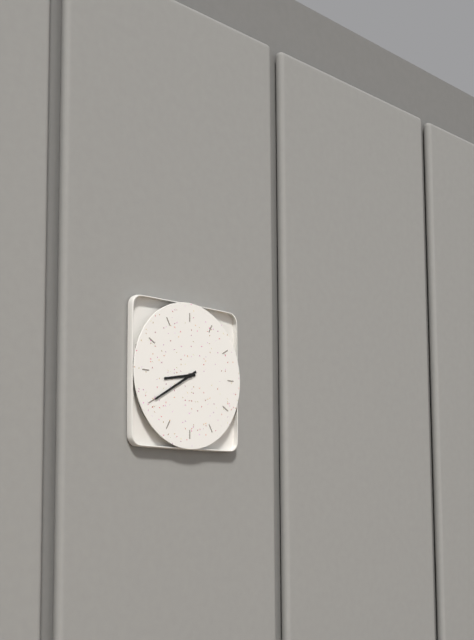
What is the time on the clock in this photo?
8:40
